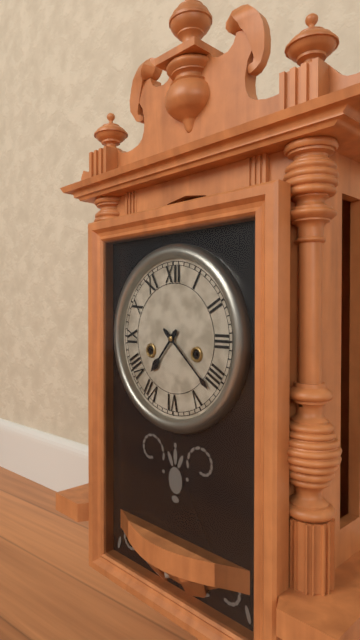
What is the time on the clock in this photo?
7:22
